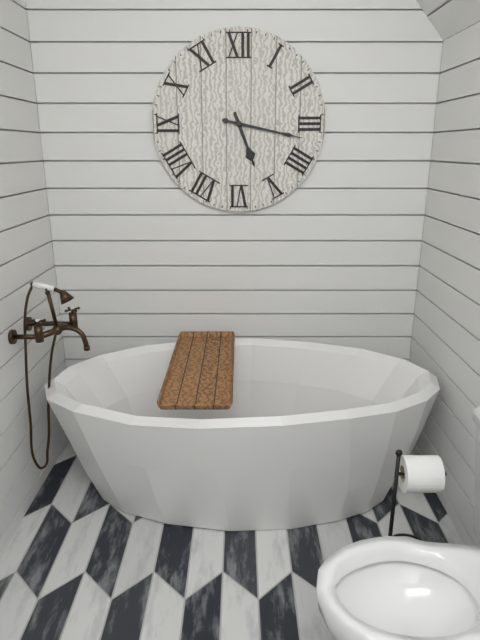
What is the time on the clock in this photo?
5:17
